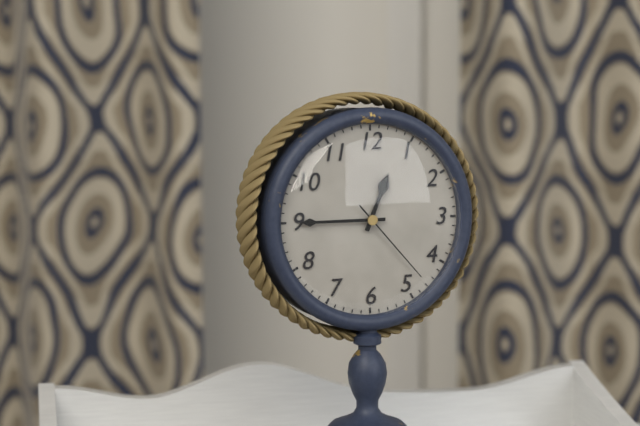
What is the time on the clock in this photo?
12:45:23
